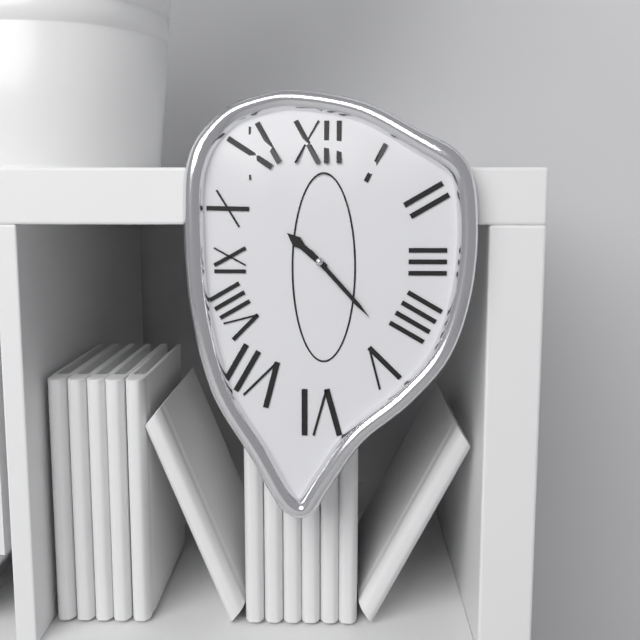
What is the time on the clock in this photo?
10:23
